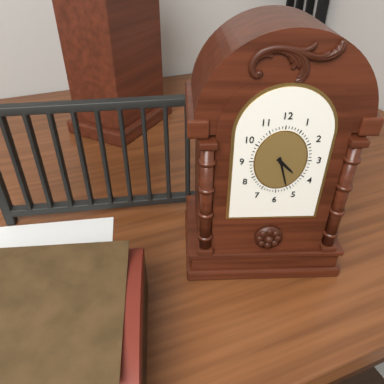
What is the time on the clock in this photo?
4:27
